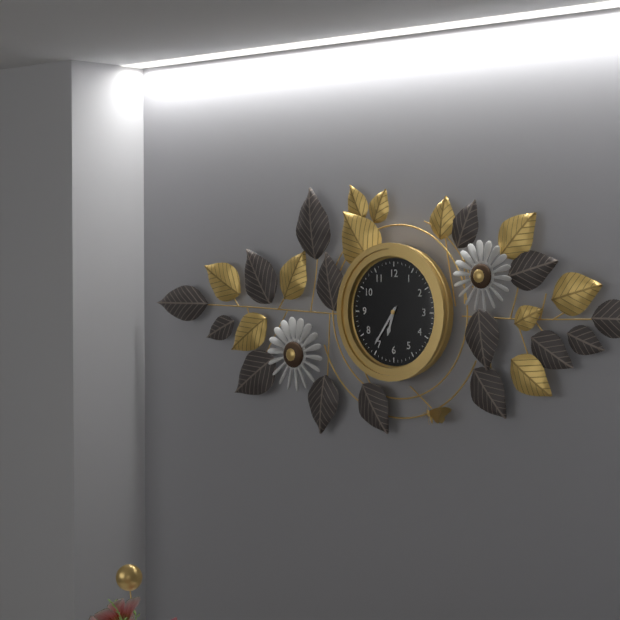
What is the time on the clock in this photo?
6:36
